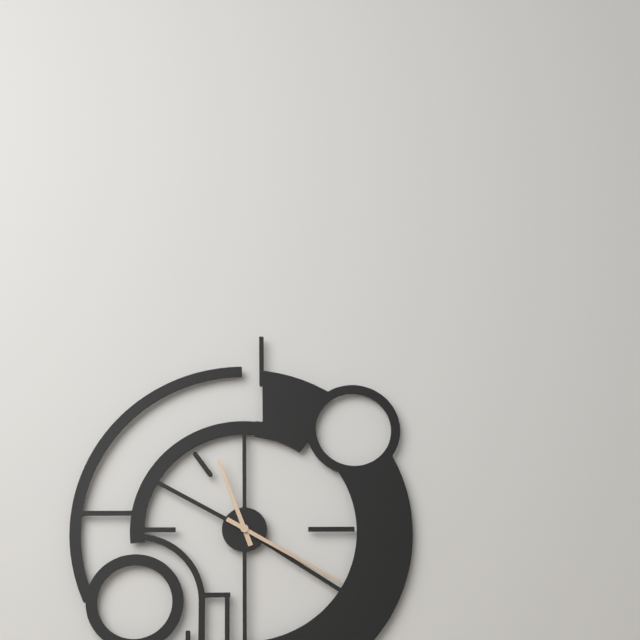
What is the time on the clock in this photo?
11:20
